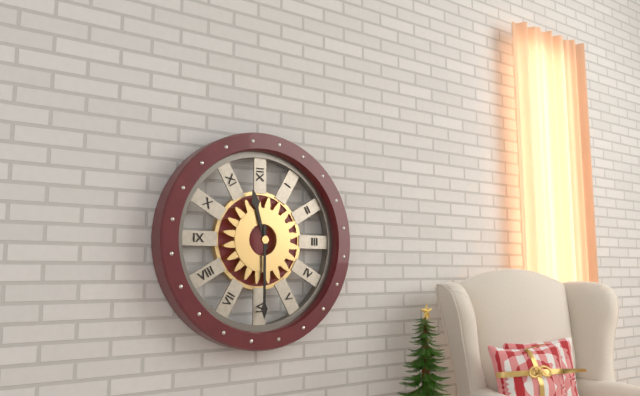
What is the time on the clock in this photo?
11:30
